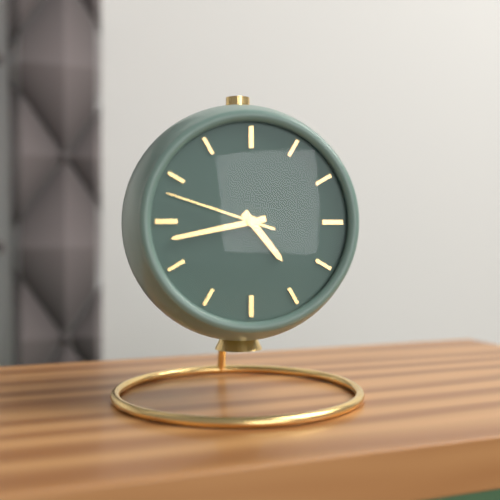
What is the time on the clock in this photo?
4:43:48
